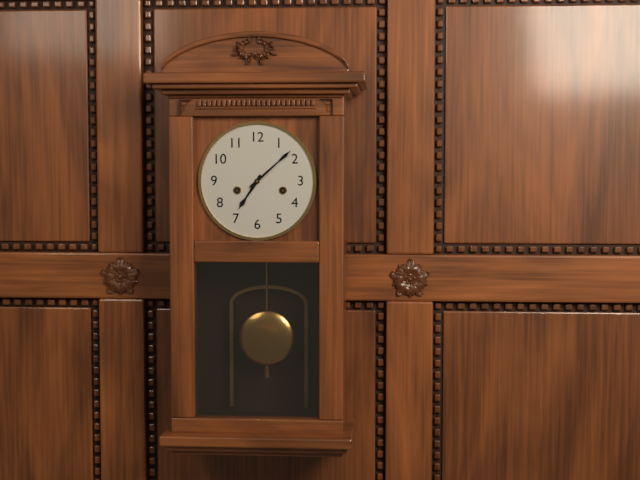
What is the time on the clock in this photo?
7:08
